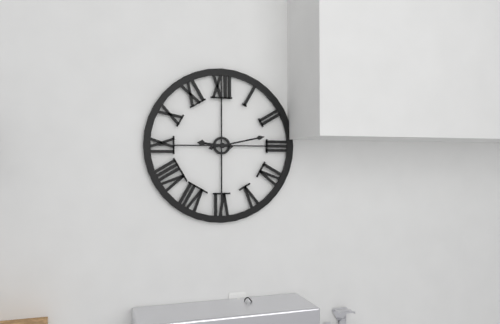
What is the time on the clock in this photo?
9:13
